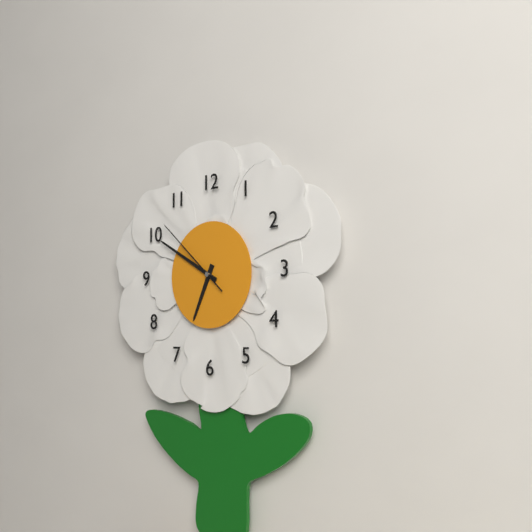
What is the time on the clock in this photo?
6:50:52
